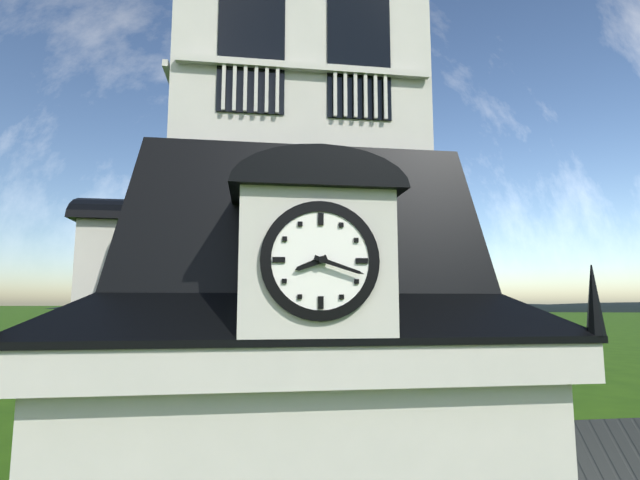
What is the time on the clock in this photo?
8:18
